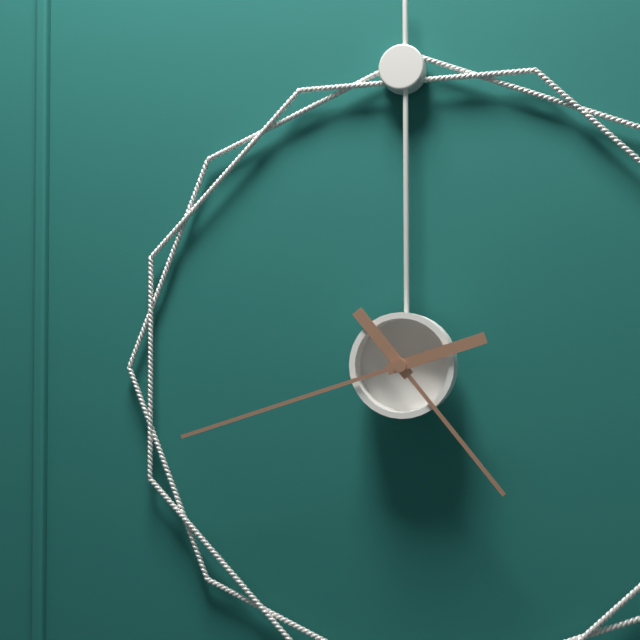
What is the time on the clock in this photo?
4:42
